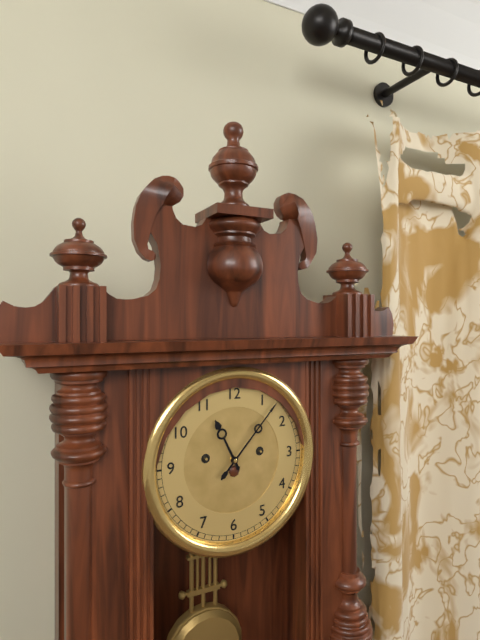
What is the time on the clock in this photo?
11:07
